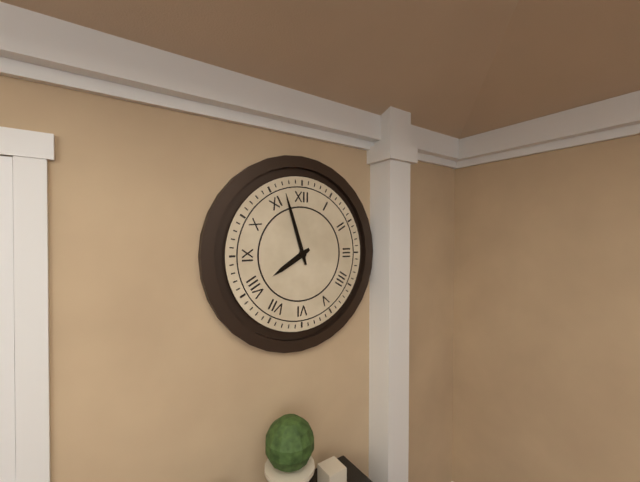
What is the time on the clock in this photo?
7:57
